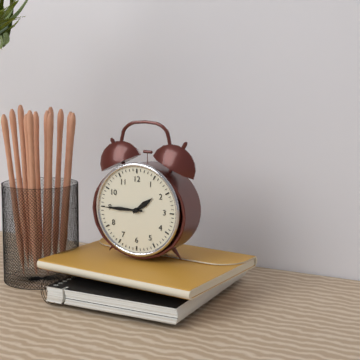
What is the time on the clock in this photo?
1:45
